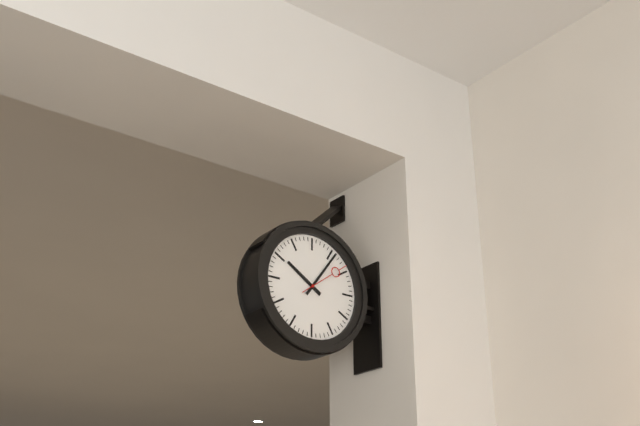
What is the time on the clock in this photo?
10:06:09
